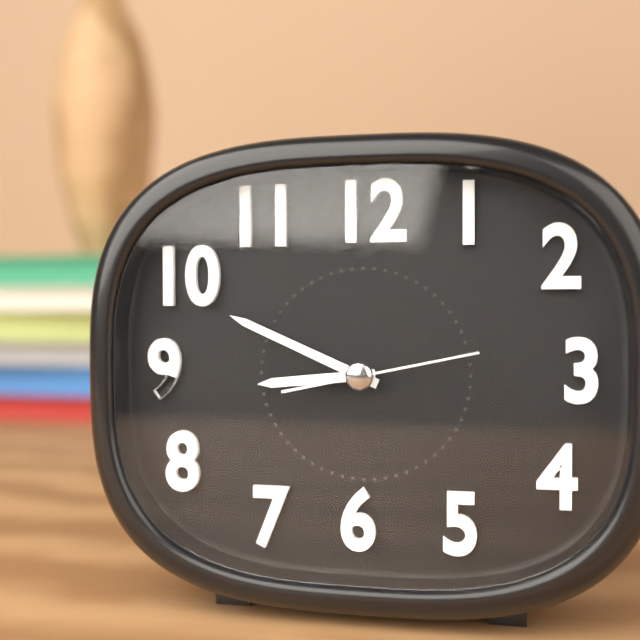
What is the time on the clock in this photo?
8:49:13
